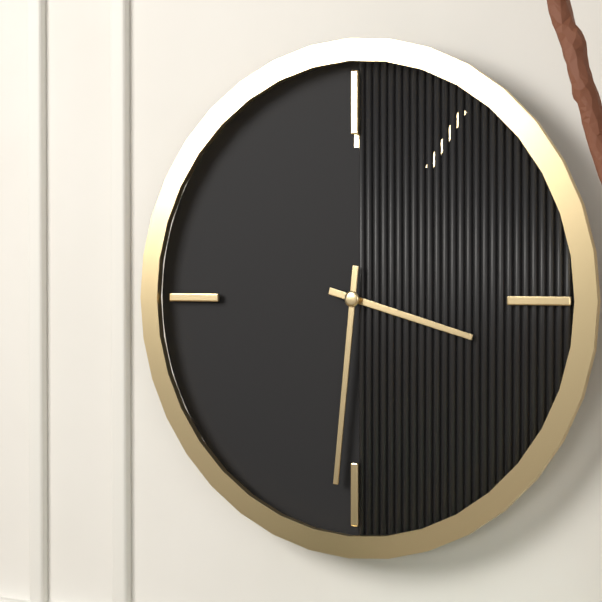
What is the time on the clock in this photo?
3:31
